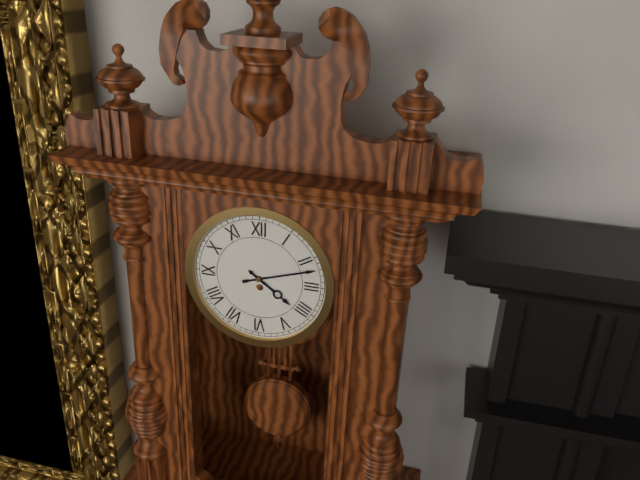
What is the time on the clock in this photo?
4:12
